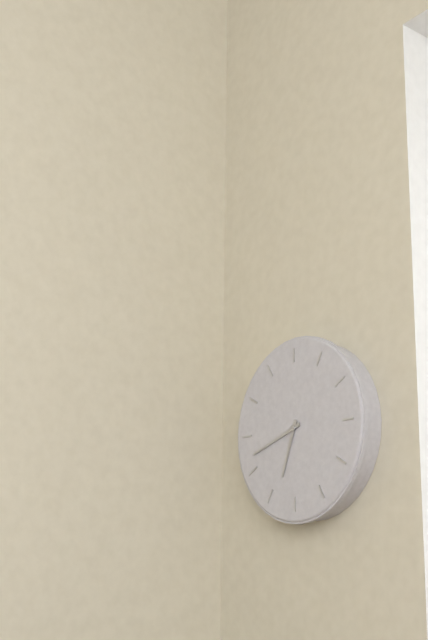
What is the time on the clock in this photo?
6:42
